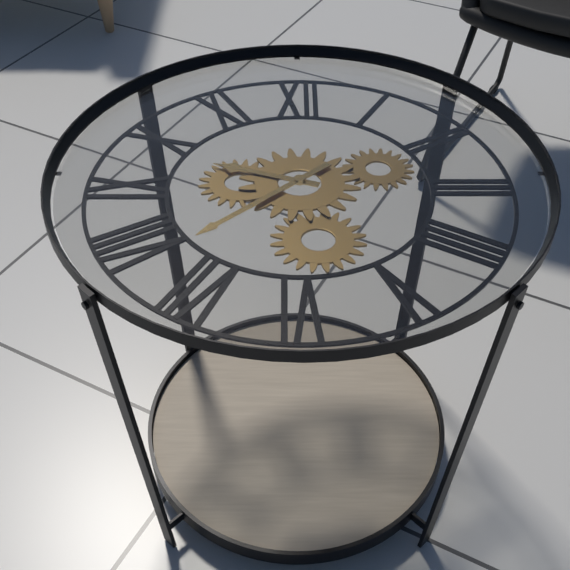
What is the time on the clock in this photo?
9:38
